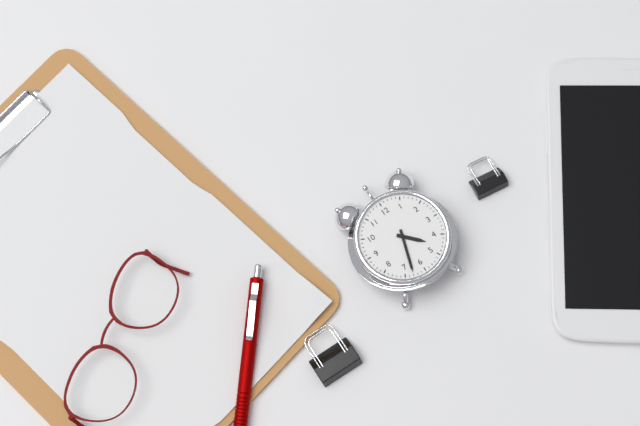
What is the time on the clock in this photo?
4:33
